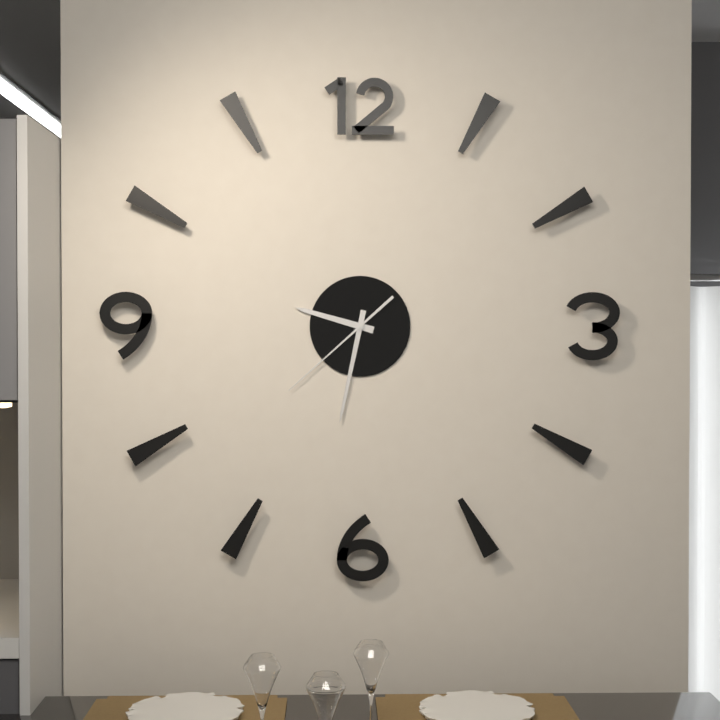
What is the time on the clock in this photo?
9:32:38
